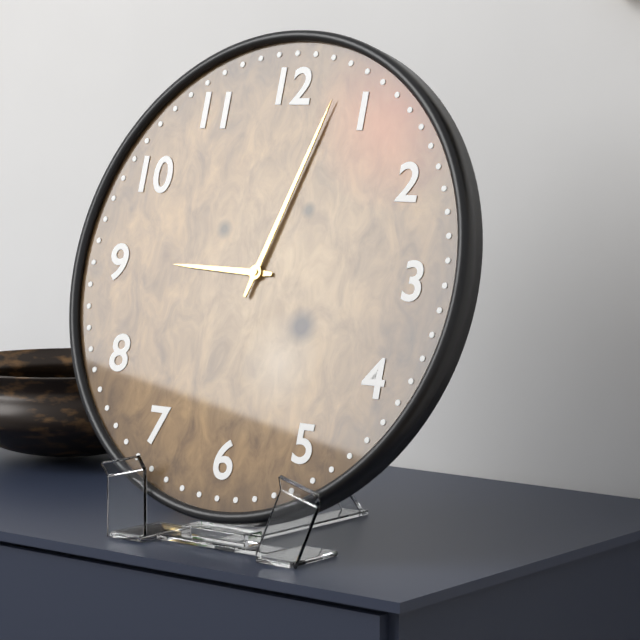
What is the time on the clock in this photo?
9:03
